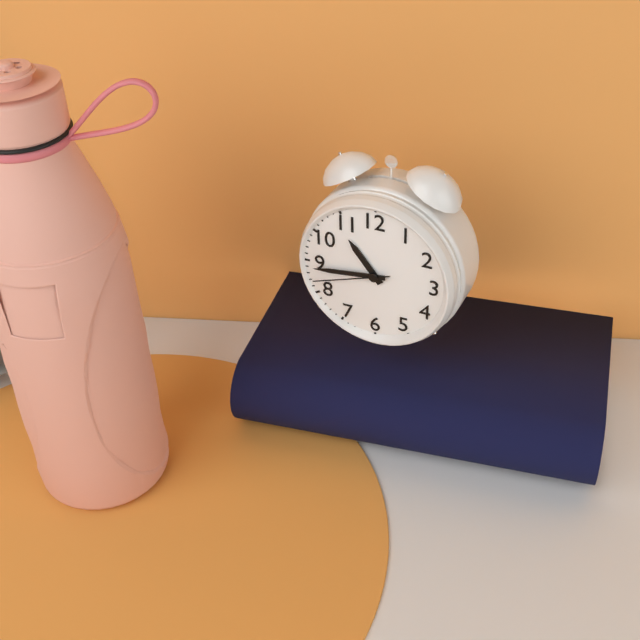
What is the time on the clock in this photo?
10:44:42
